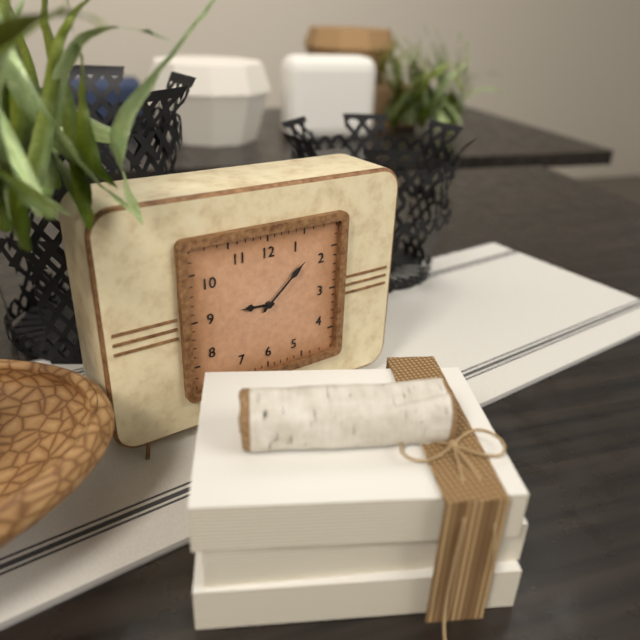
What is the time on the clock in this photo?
9:08
